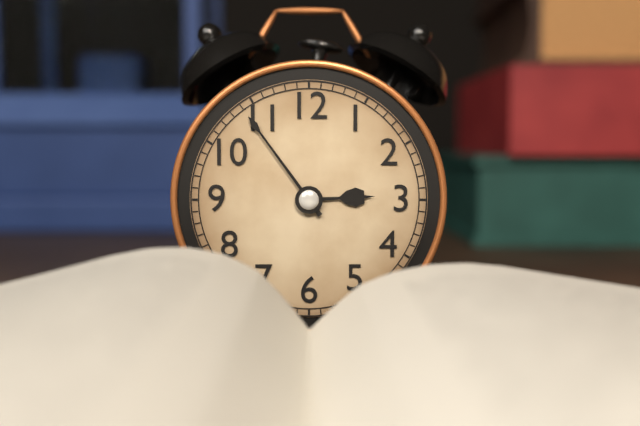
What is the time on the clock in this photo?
2:54
